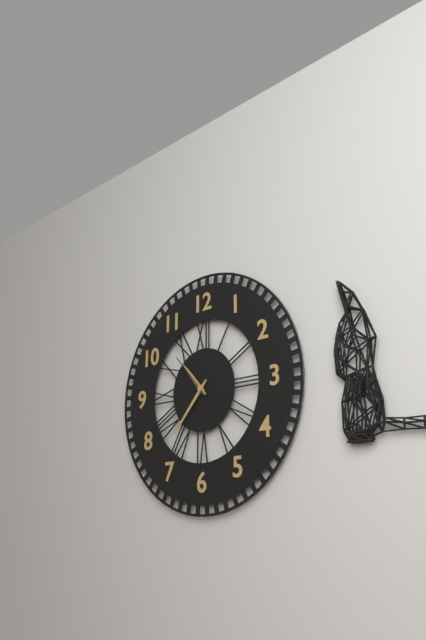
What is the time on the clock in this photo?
10:37:53
